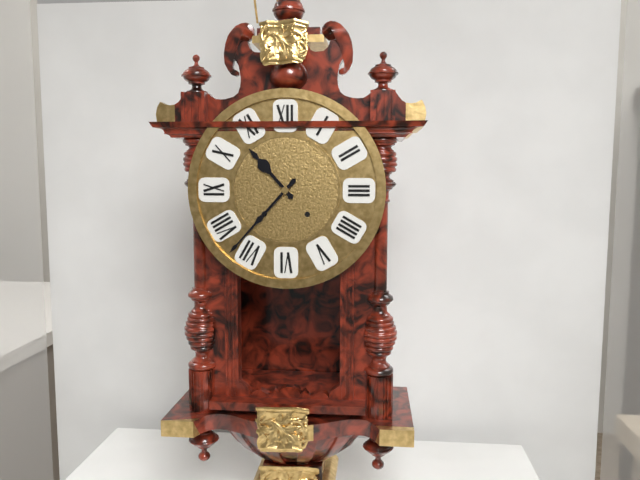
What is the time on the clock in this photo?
10:37
